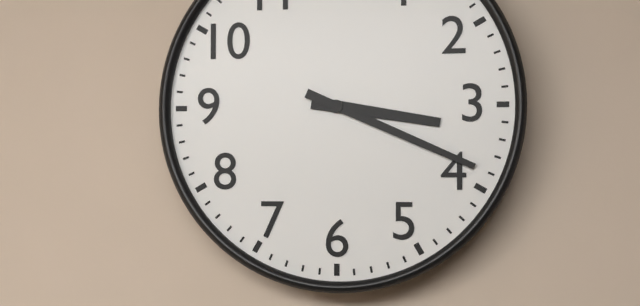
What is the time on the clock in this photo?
3:19
